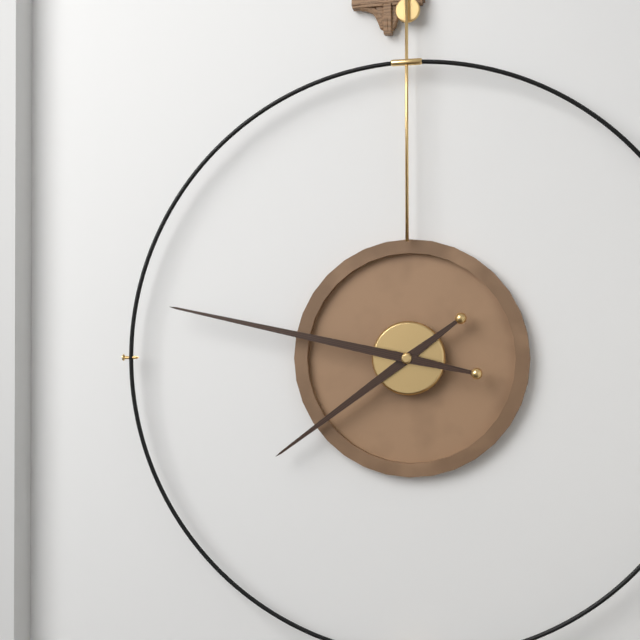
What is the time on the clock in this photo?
7:47
